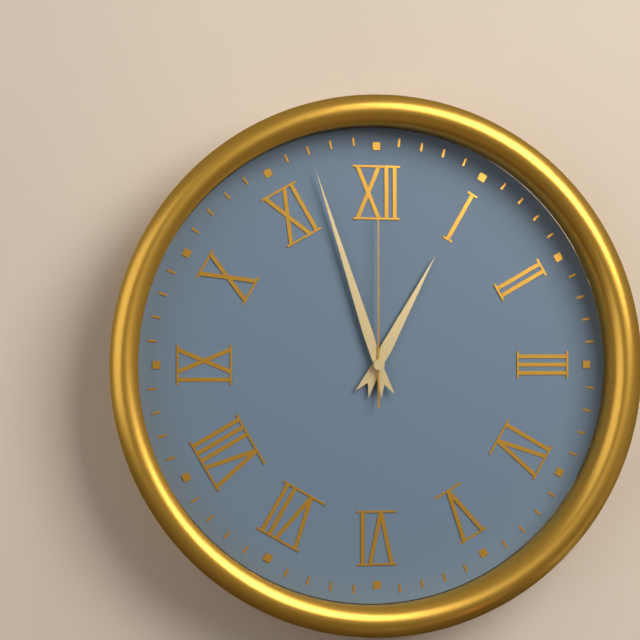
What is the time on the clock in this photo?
12:57:00
